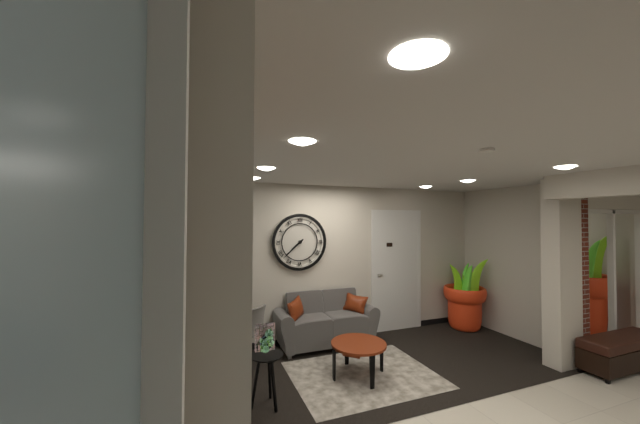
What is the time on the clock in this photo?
7:38
